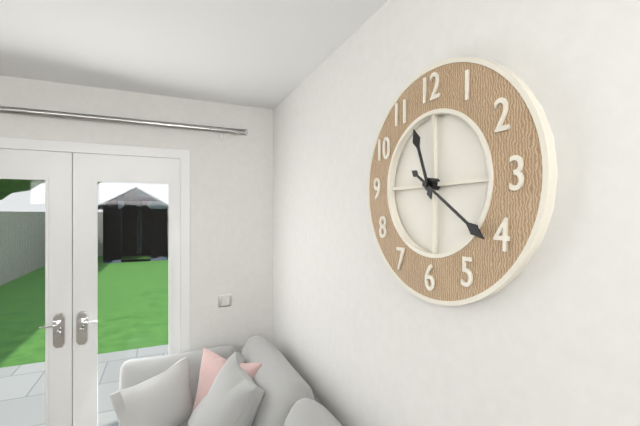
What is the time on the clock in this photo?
11:21
